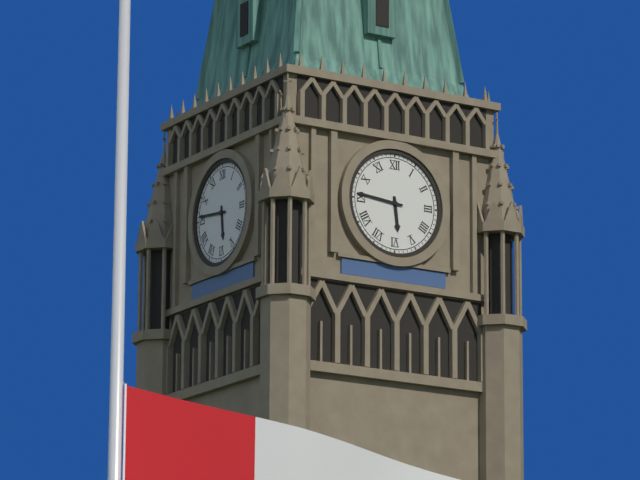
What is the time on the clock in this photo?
5:46
